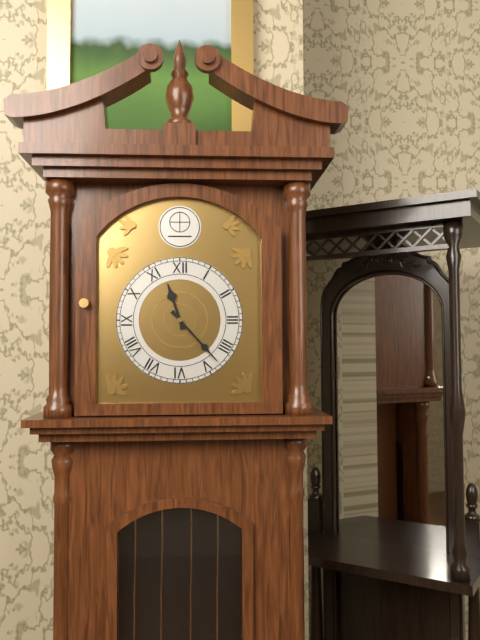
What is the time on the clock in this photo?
11:23
